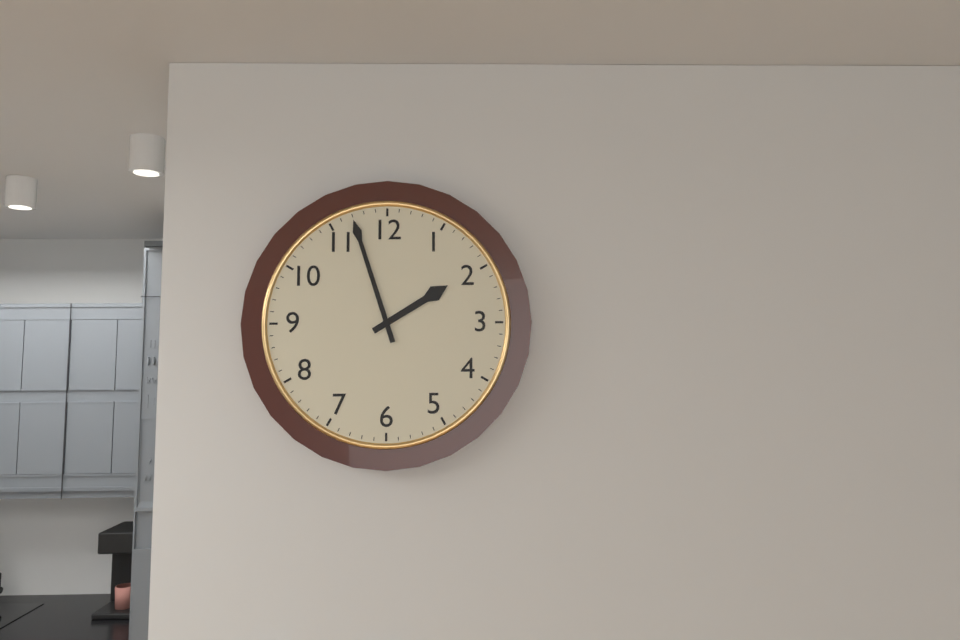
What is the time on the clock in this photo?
1:57
